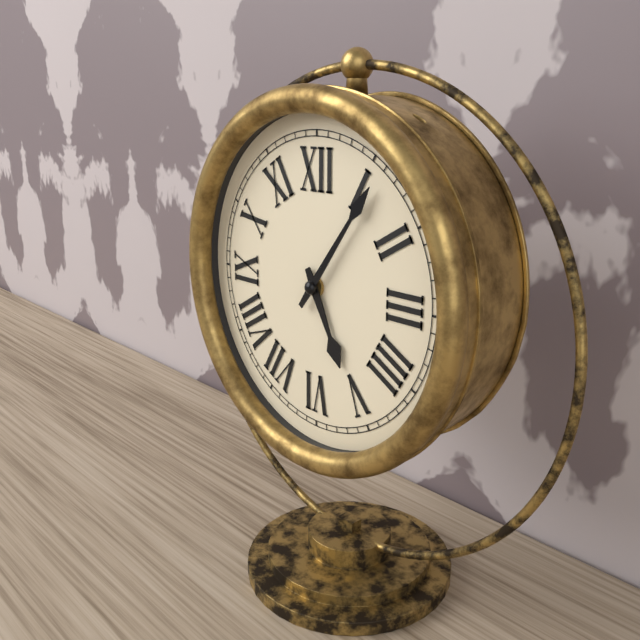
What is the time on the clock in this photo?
5:06
